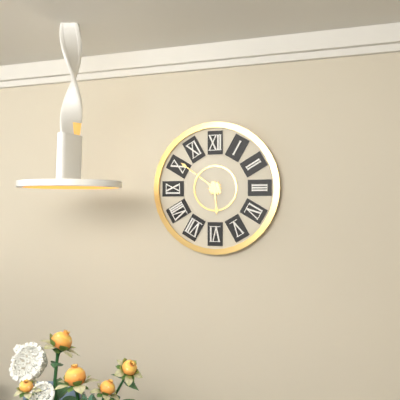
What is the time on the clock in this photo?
5:51
